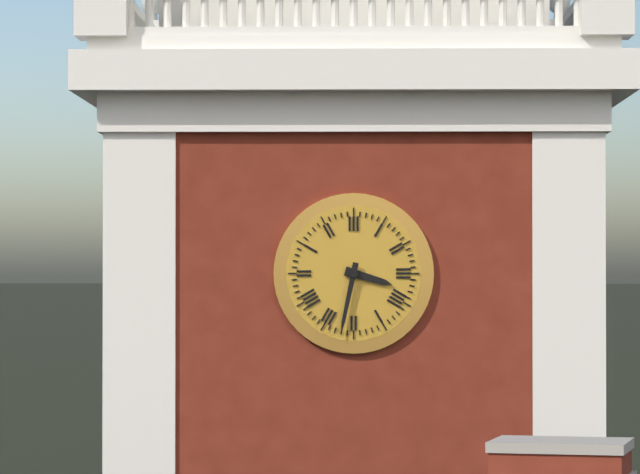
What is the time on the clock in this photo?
3:32
